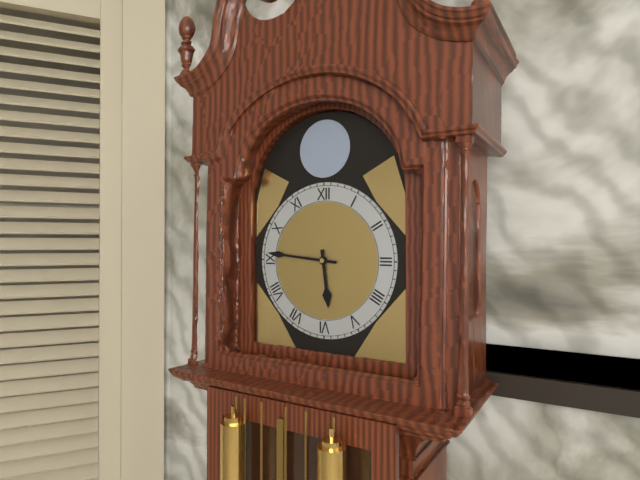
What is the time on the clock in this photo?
5:46
